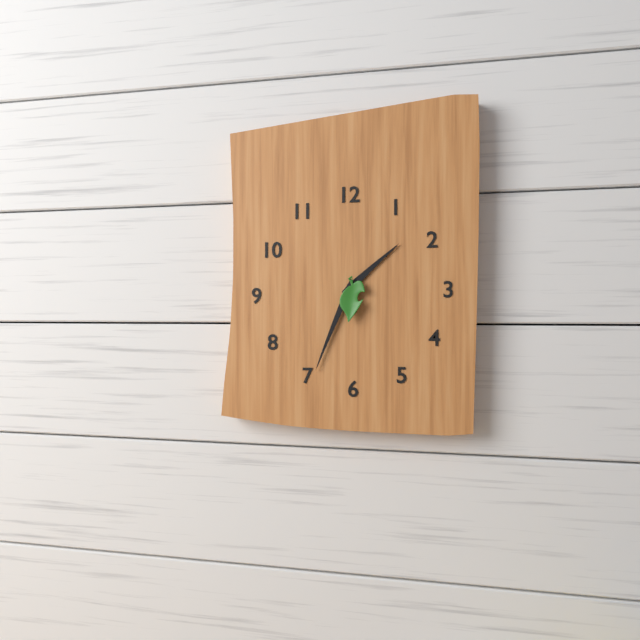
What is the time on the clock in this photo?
1:34
